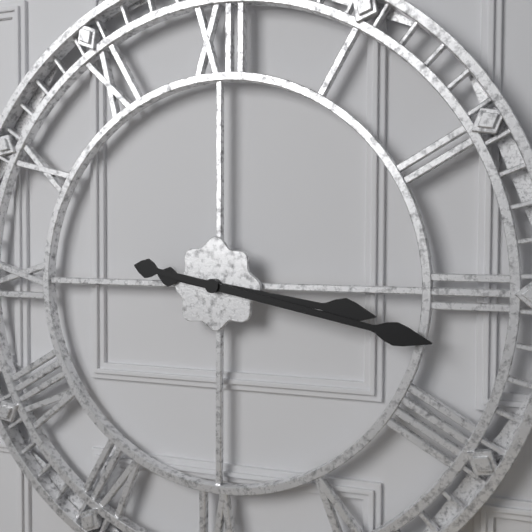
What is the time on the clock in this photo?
3:17
